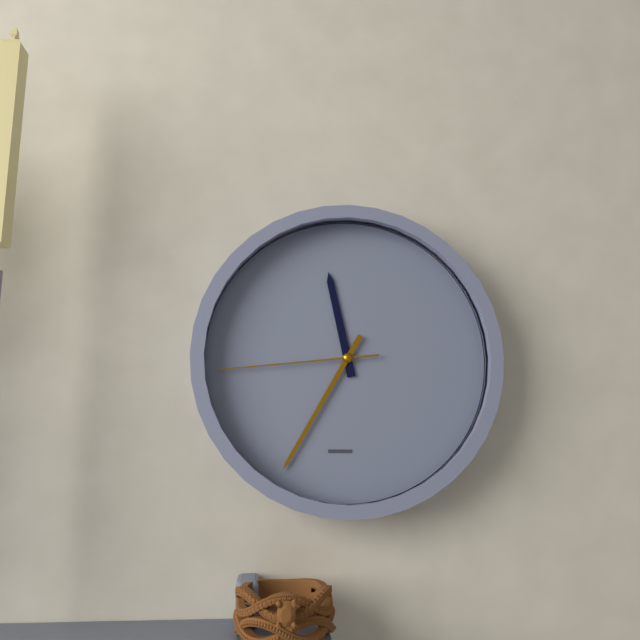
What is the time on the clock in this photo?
11:35:44
